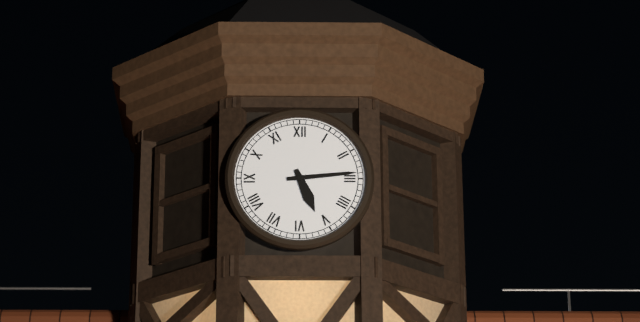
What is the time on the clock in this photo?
5:14
